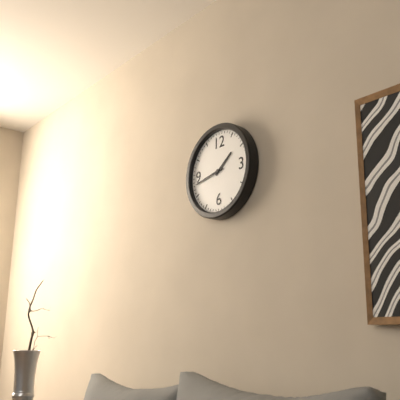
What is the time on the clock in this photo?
1:43
